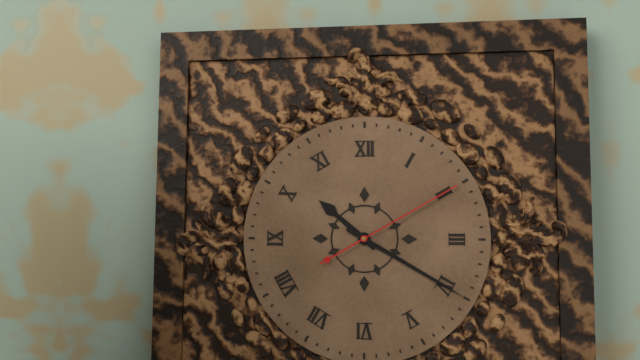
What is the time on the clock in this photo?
10:20:10
